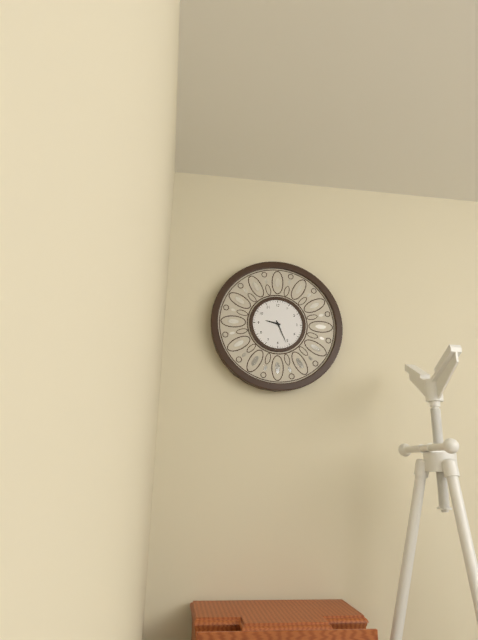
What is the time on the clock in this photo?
9:26
